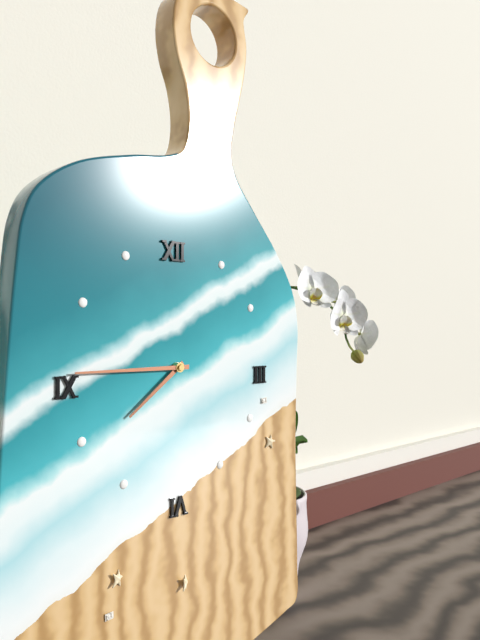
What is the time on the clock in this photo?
7:45
